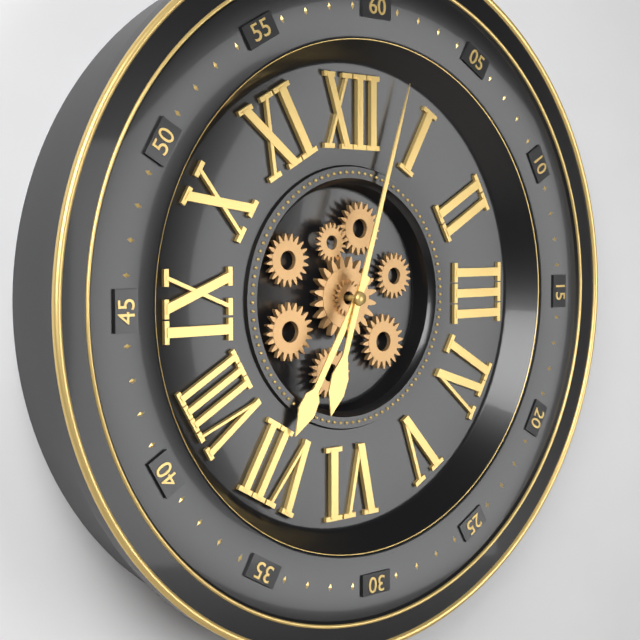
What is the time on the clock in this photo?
7:03
